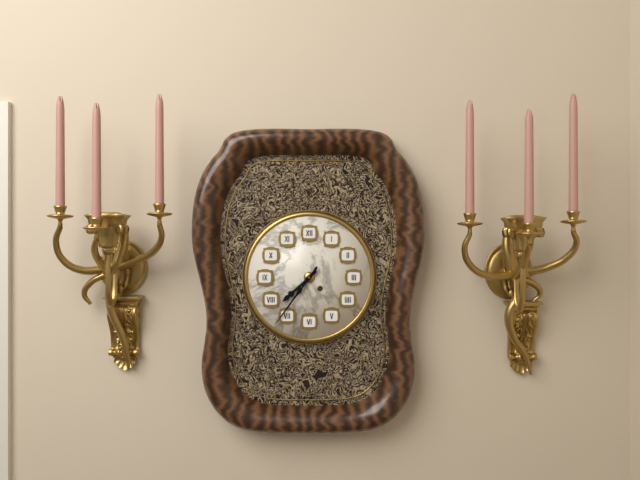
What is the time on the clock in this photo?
7:36
